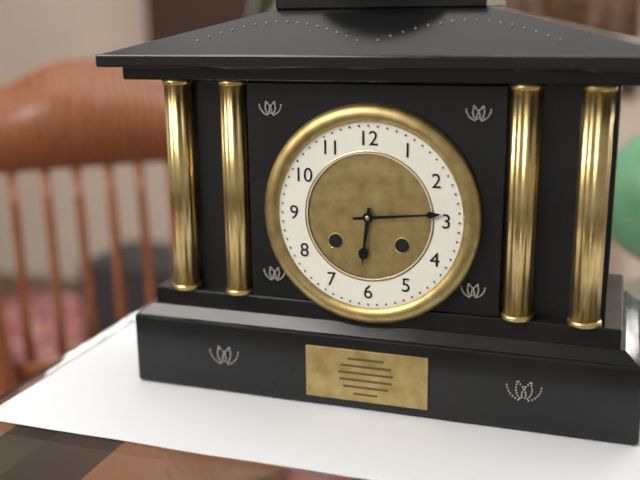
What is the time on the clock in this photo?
6:14
